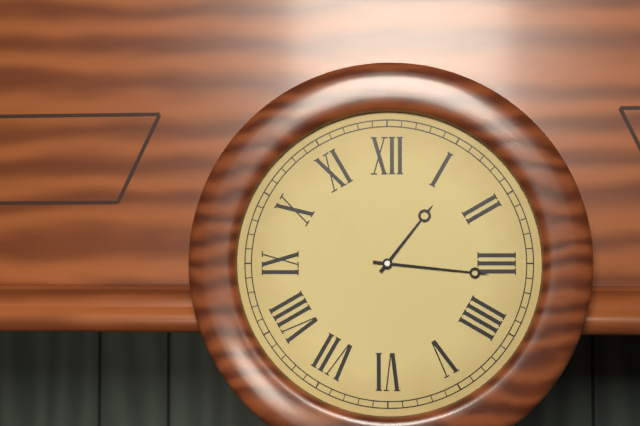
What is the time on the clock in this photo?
1:16
